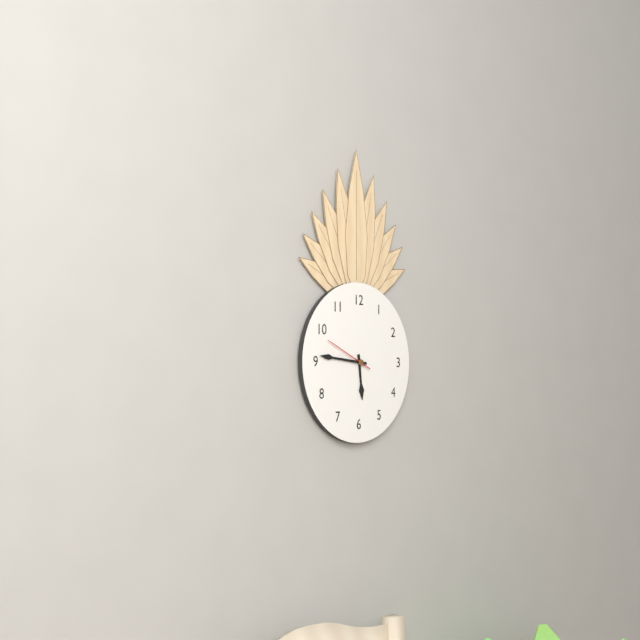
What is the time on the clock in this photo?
5:46
